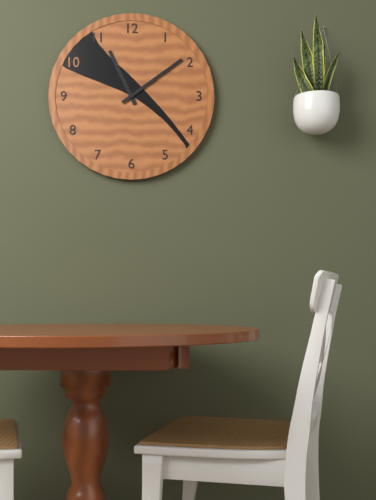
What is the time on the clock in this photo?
11:09
